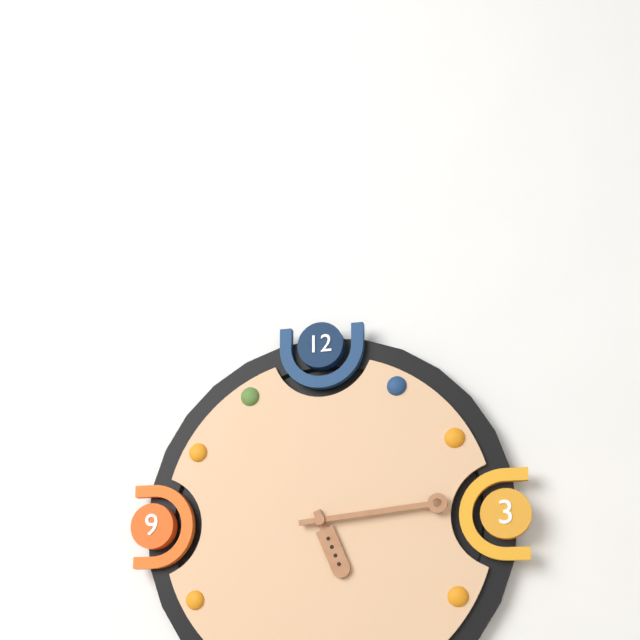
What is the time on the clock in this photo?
5:14
